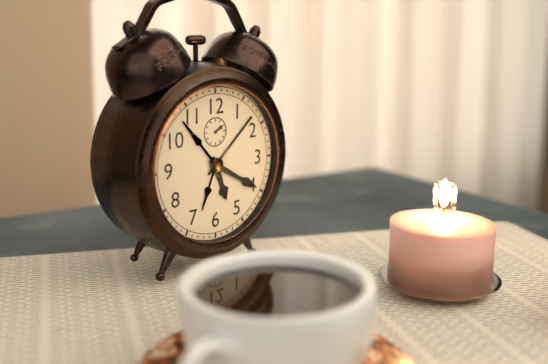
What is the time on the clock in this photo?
5:20
